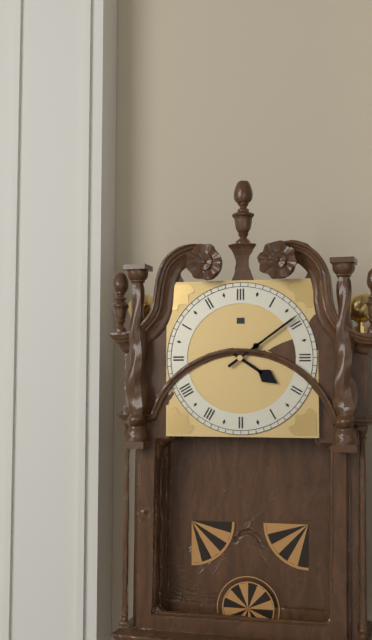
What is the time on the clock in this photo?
4:09
